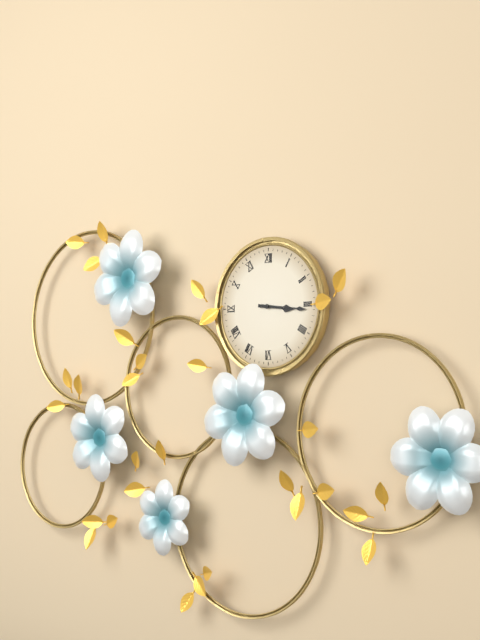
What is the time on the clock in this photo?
3:16
